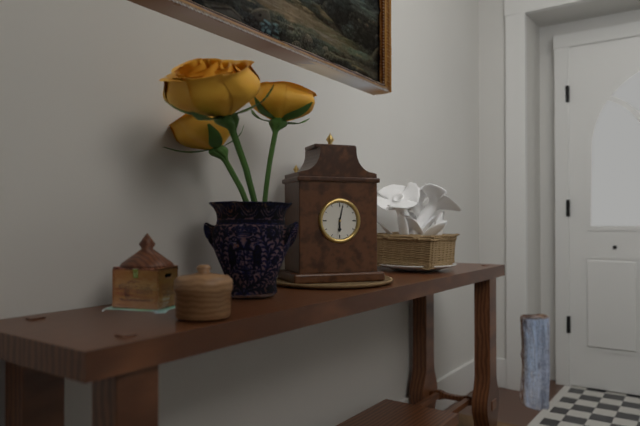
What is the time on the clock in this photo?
6:02
